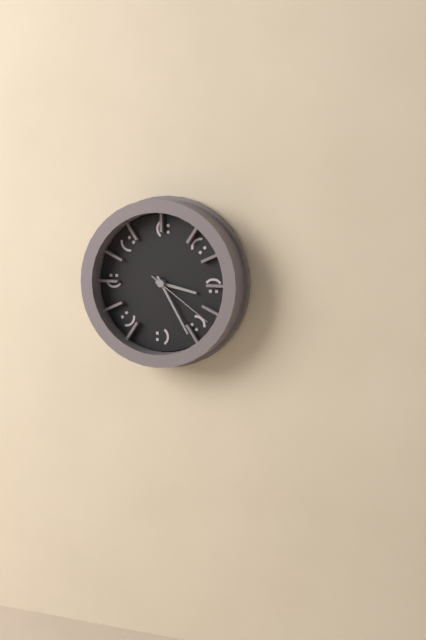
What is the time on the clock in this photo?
3:25:21
